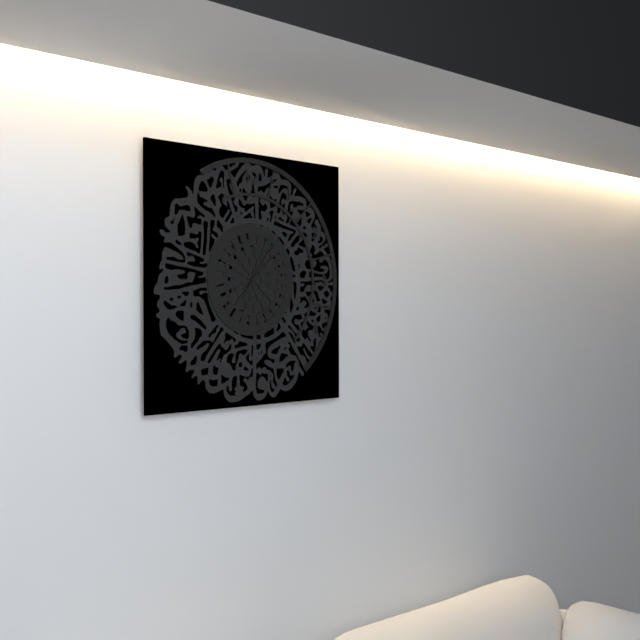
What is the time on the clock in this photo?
7:06
